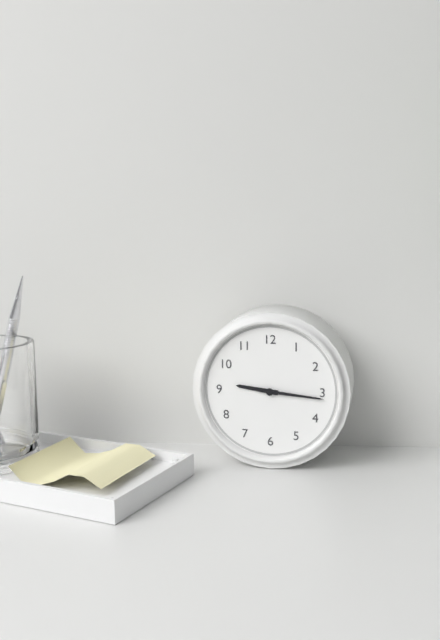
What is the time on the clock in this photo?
9:16
